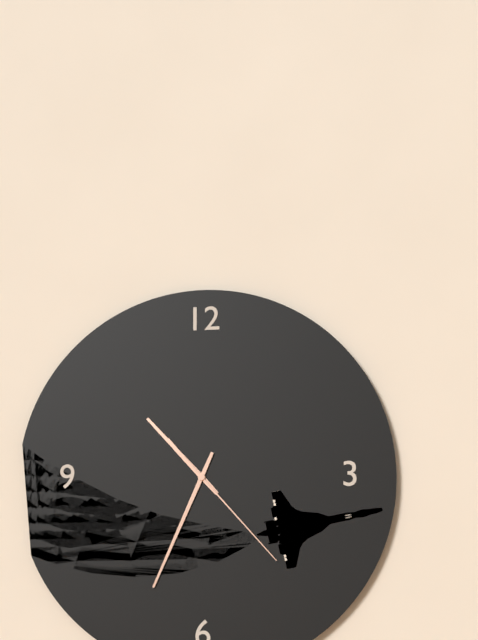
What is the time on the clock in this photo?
10:34:23
